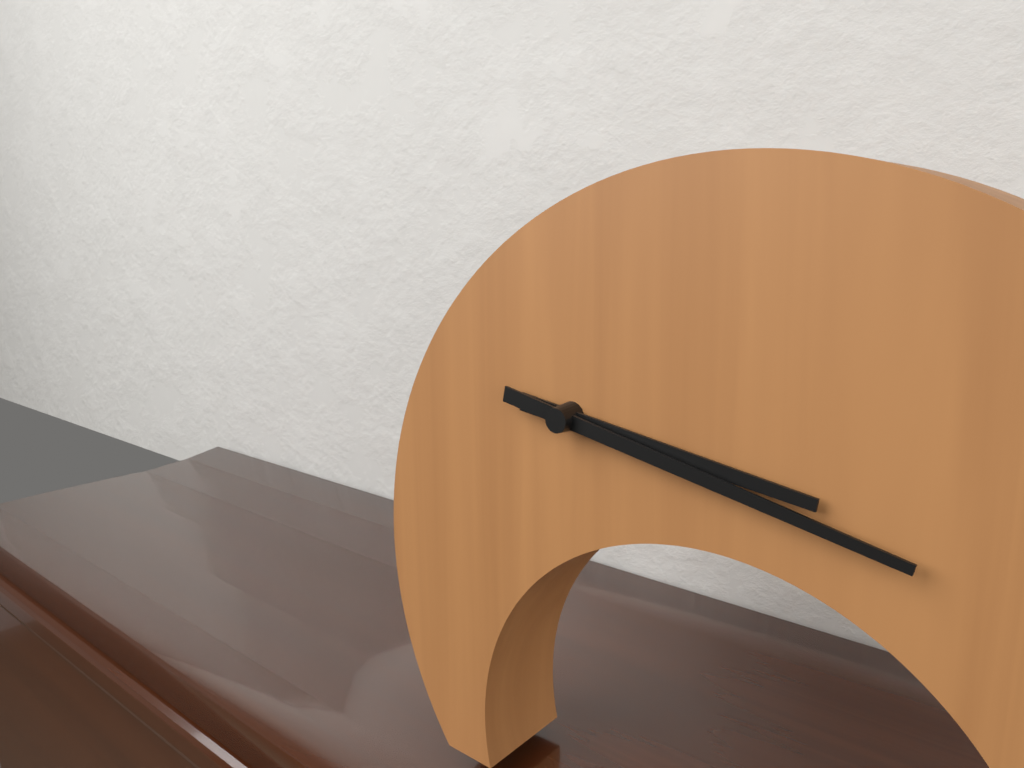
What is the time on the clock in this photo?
3:17
